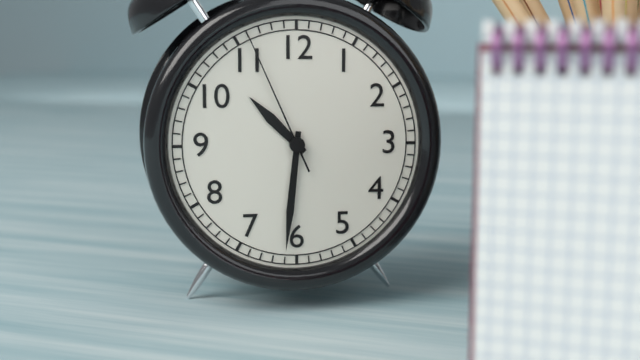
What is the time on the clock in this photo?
10:31:56
